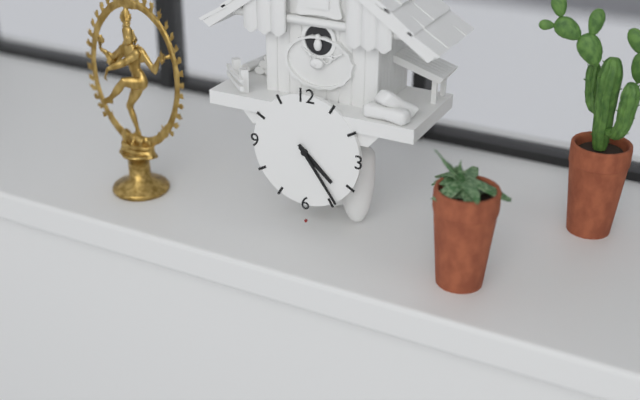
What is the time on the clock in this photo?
4:24
